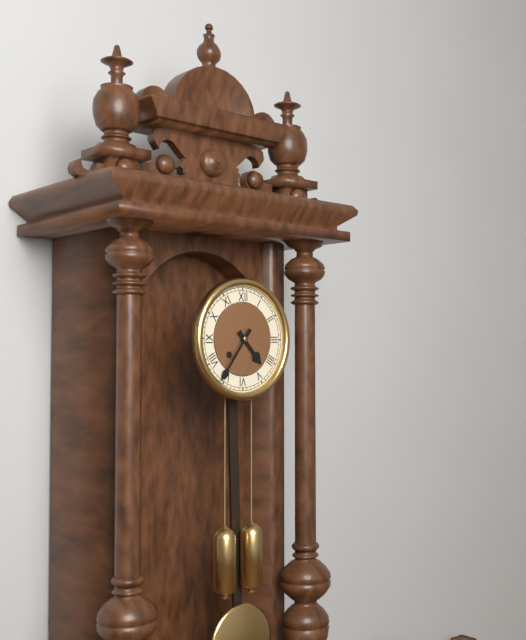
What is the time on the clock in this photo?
4:36
